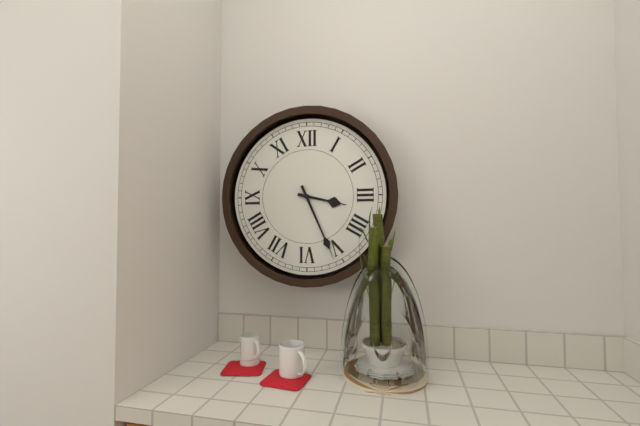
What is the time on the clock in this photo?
3:26
